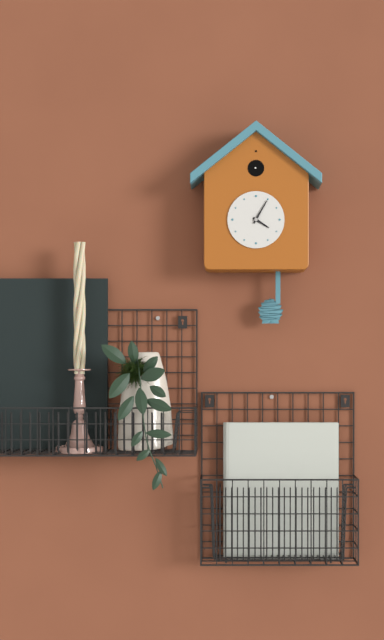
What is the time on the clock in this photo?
4:05
